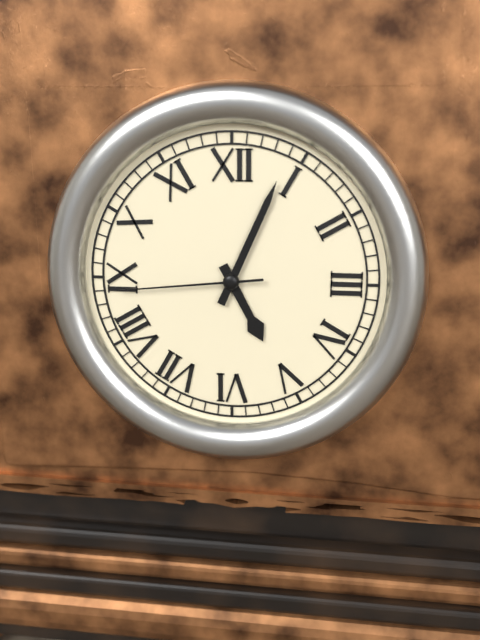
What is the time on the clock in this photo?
5:04:44
